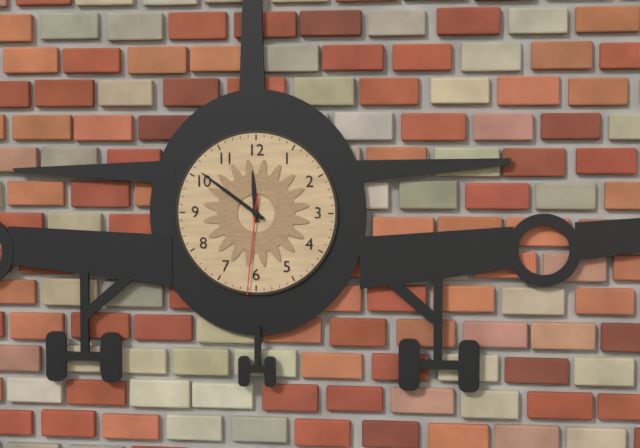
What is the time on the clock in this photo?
11:51:31
